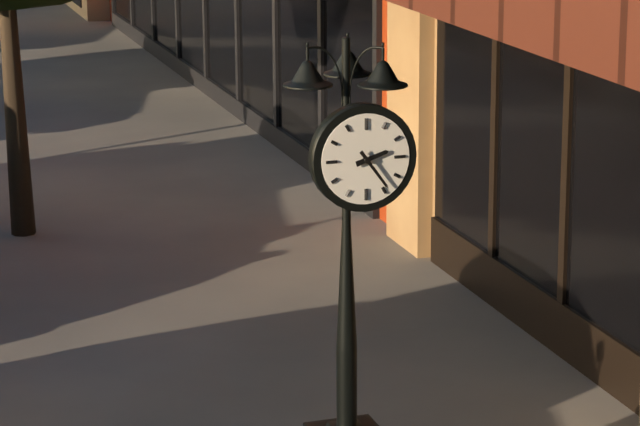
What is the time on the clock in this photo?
2:24
